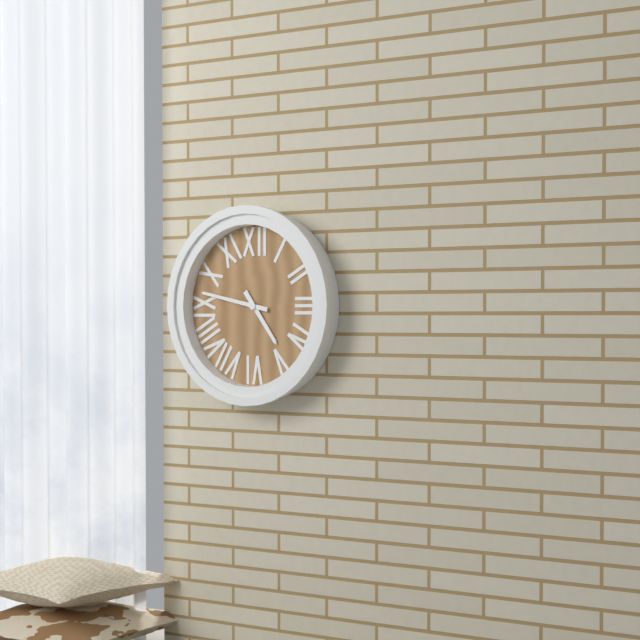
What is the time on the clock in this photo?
4:47
